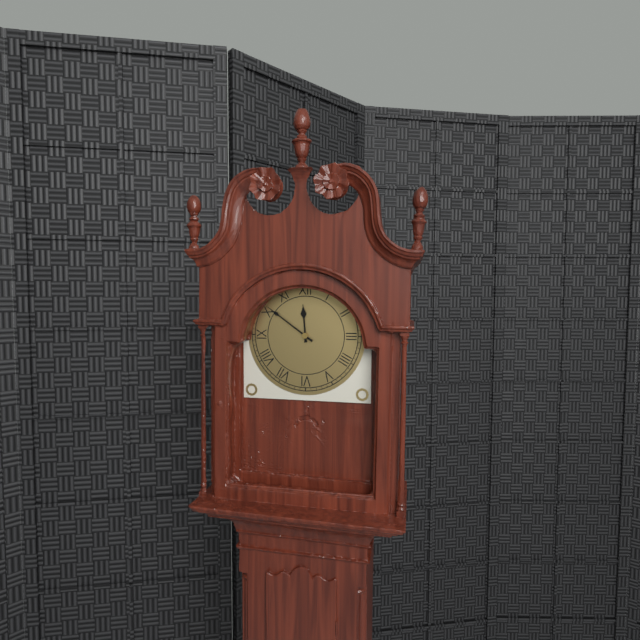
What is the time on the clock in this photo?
11:51
